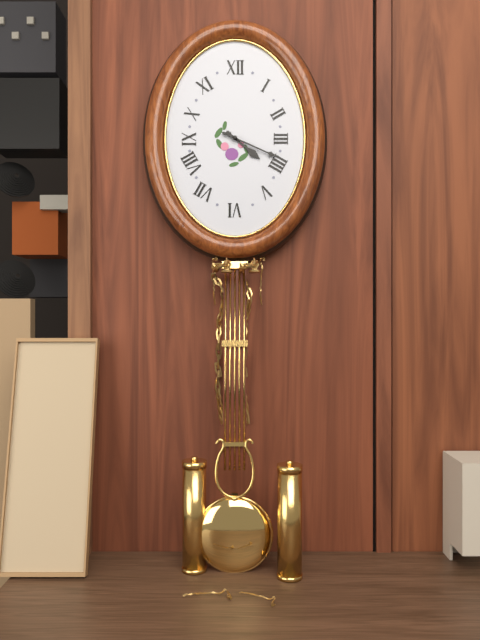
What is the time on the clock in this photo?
4:19
